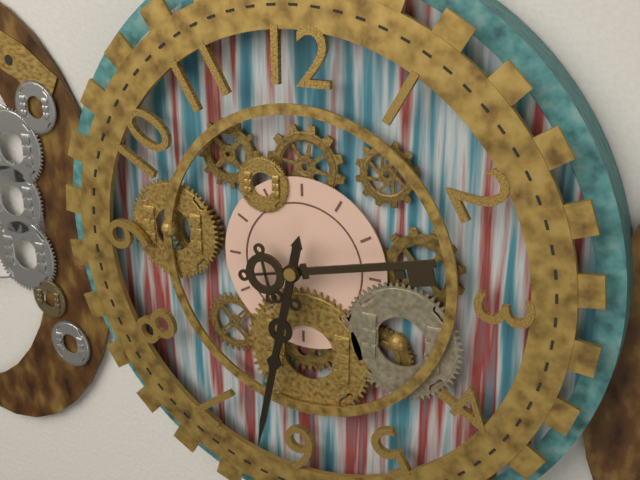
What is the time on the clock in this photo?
2:32
